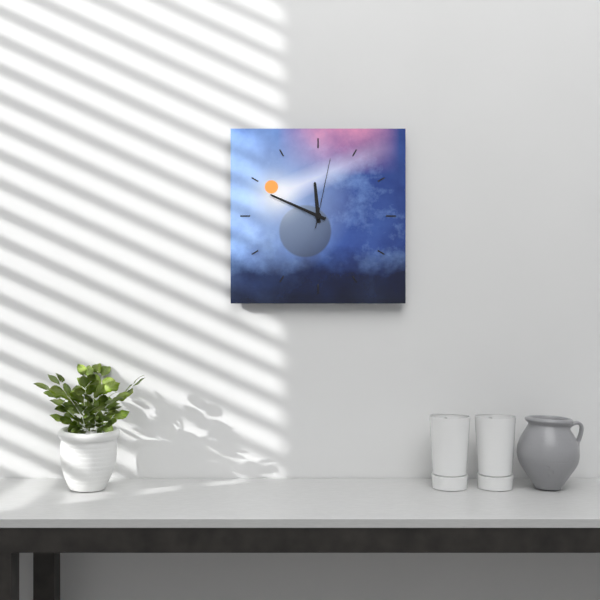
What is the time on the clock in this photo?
11:49:02
